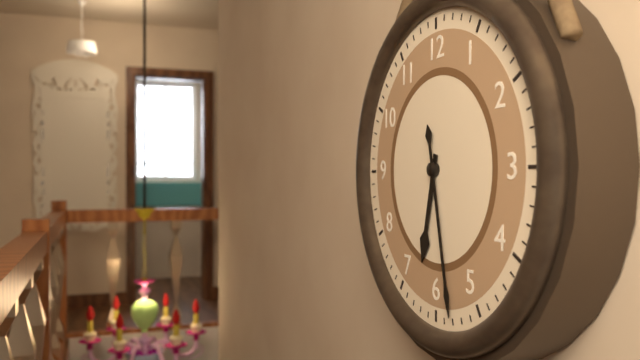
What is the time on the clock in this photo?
6:28
